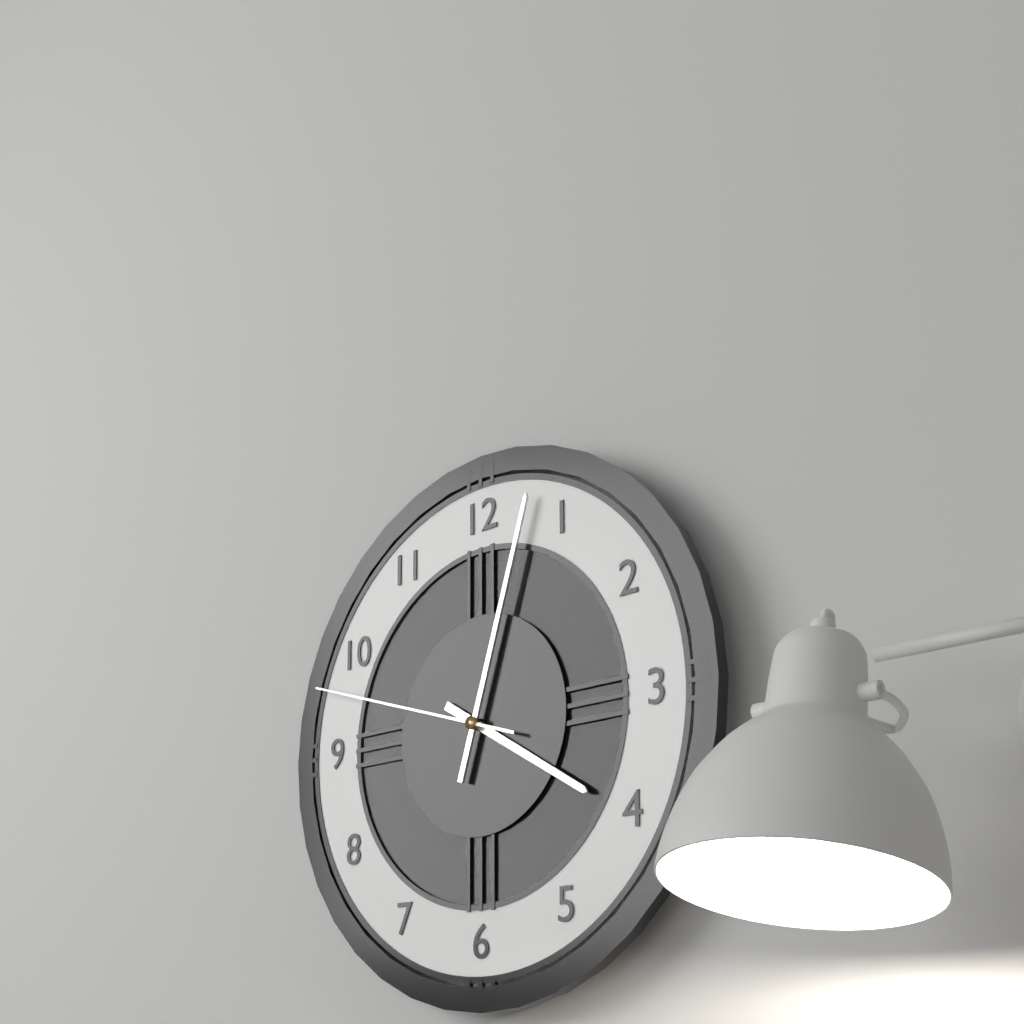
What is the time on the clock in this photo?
4:03:48
